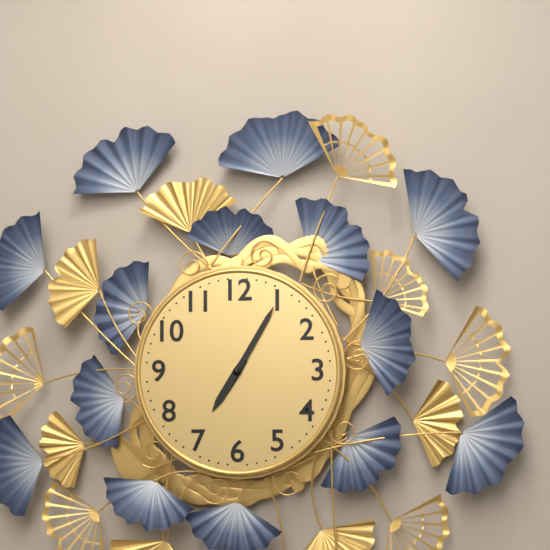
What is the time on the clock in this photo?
7:05
